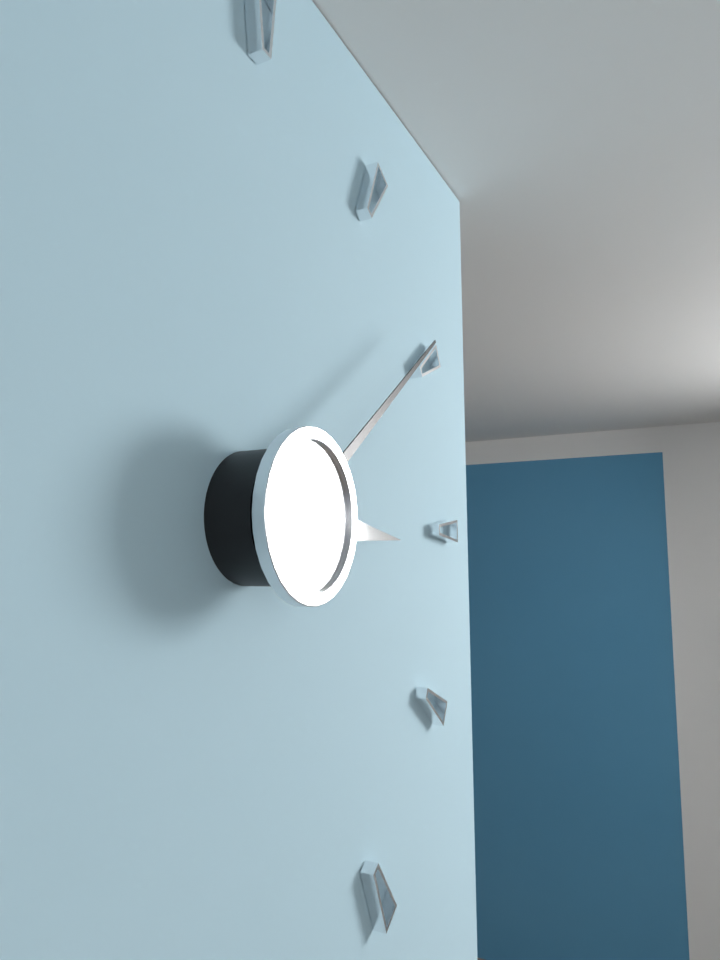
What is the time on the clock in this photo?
3:09
